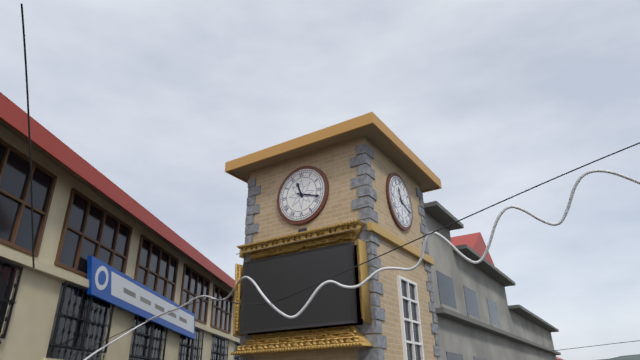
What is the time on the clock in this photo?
11:18
